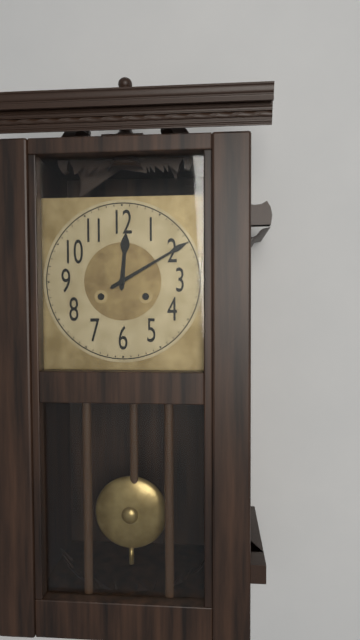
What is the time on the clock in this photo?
12:10
